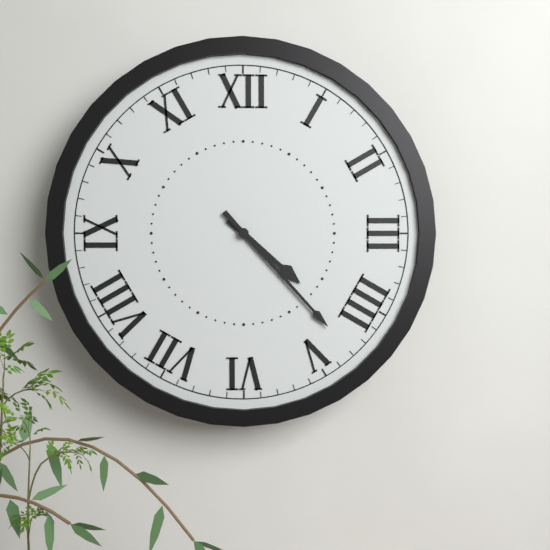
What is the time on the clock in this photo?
4:23
